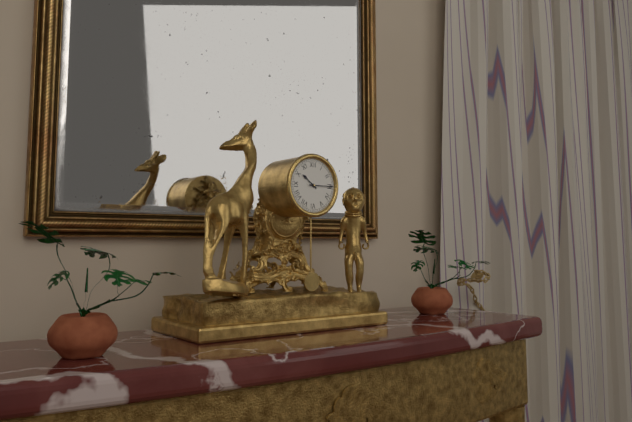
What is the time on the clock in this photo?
10:15
